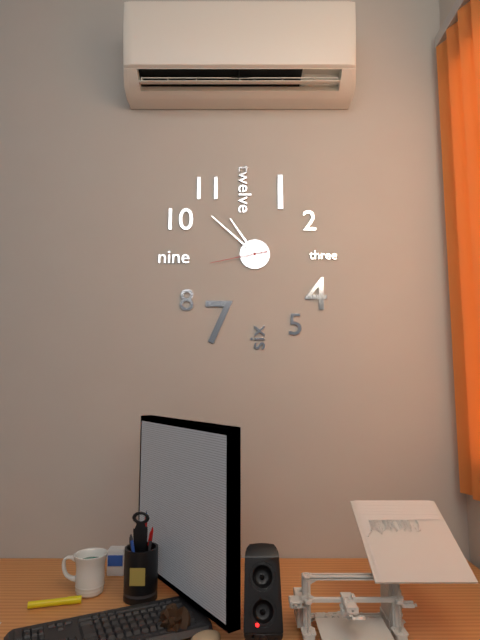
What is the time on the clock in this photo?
10:52:43
